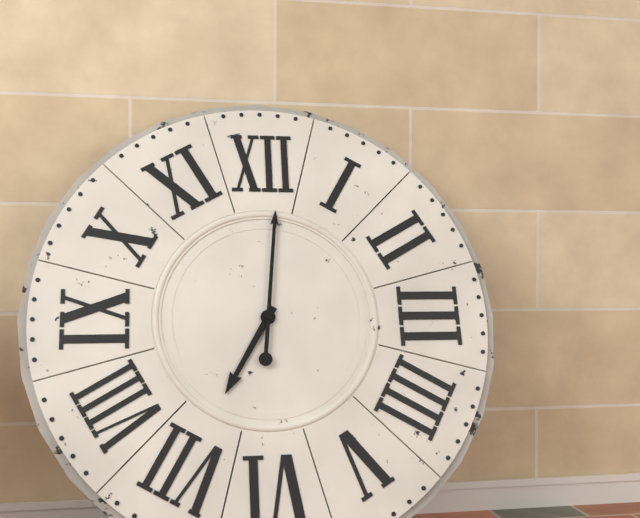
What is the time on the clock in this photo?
7:01
